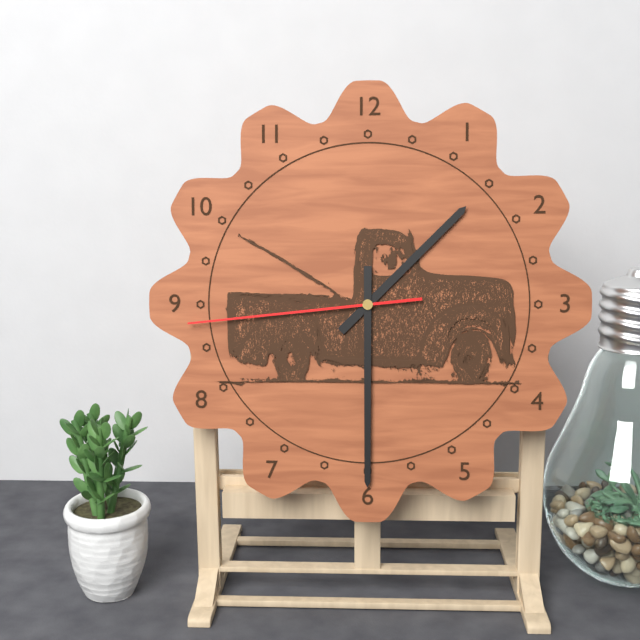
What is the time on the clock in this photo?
1:30:44
